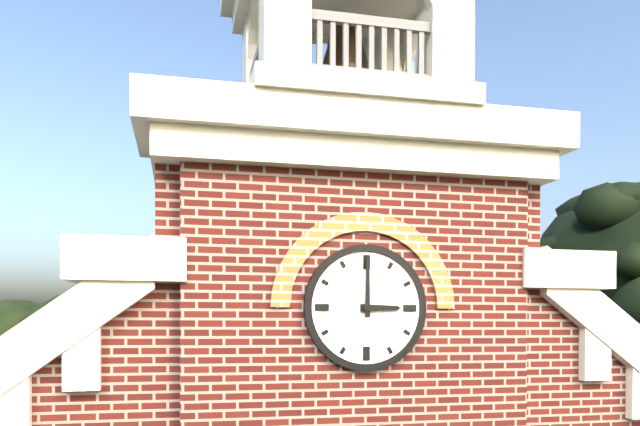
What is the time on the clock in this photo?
3:00
